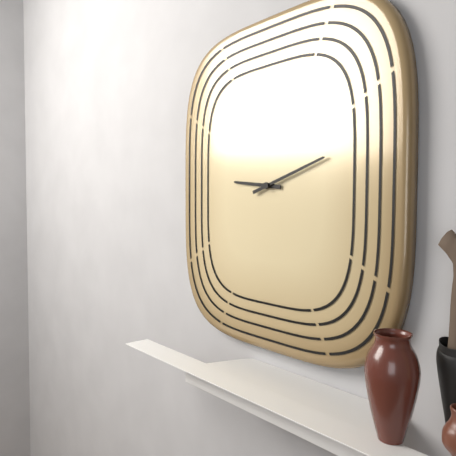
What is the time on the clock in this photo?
9:12
